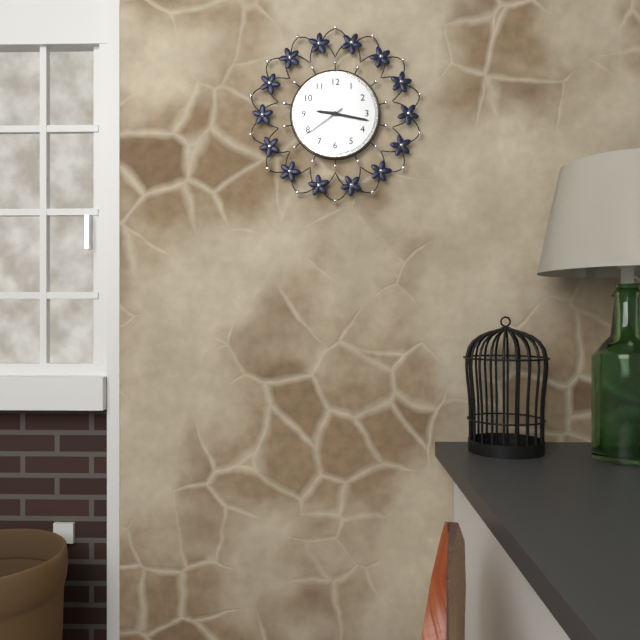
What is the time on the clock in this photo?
9:17
